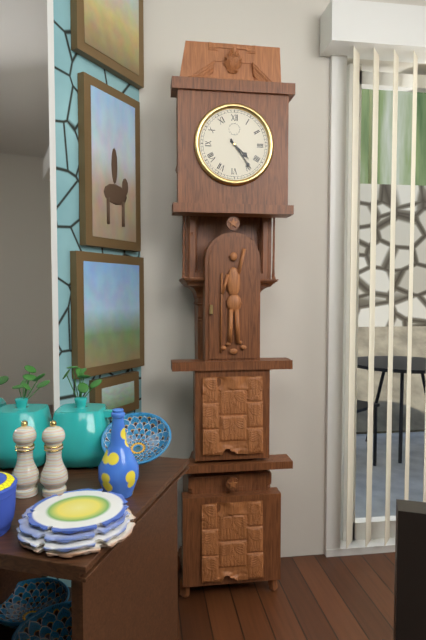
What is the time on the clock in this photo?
4:24
